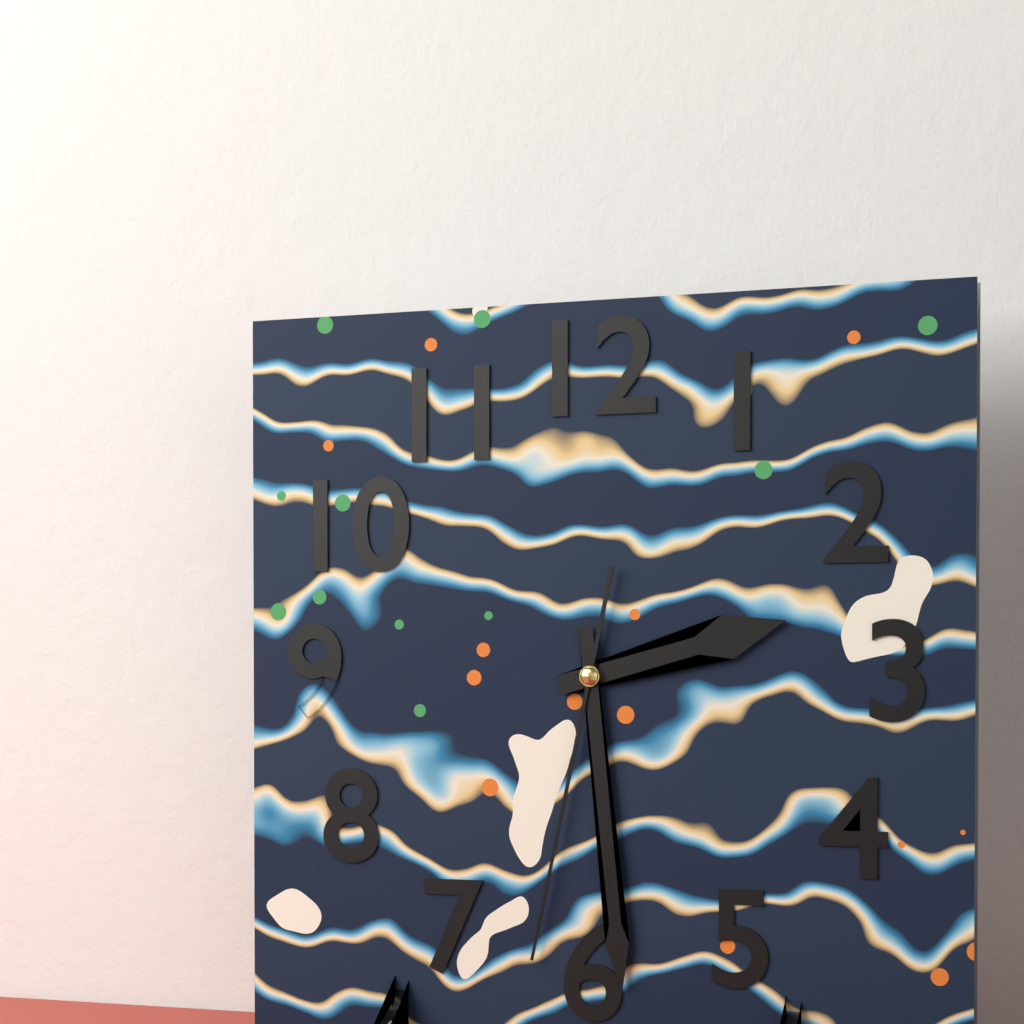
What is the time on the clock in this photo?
2:29:32
